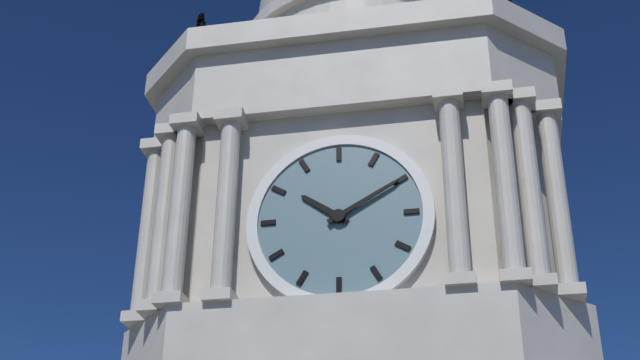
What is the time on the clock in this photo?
10:10
